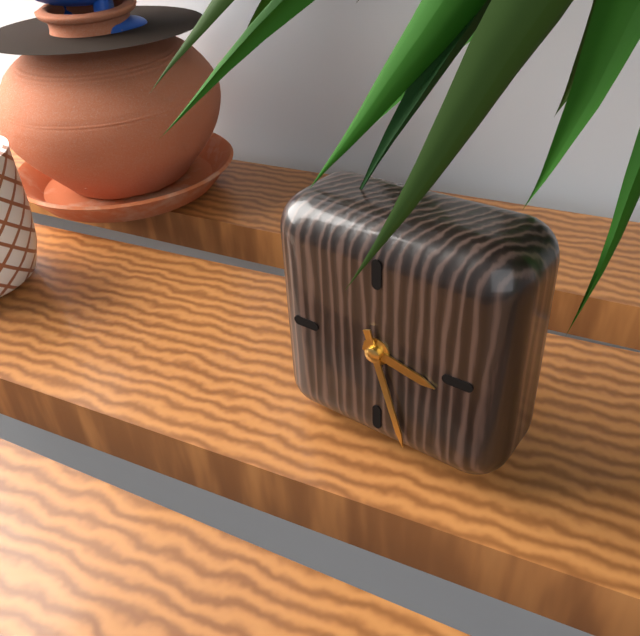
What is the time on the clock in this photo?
3:27
